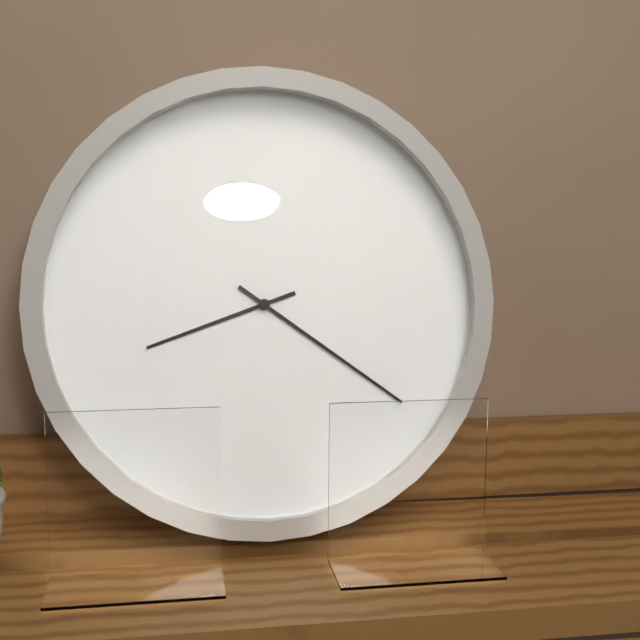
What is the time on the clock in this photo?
8:21
